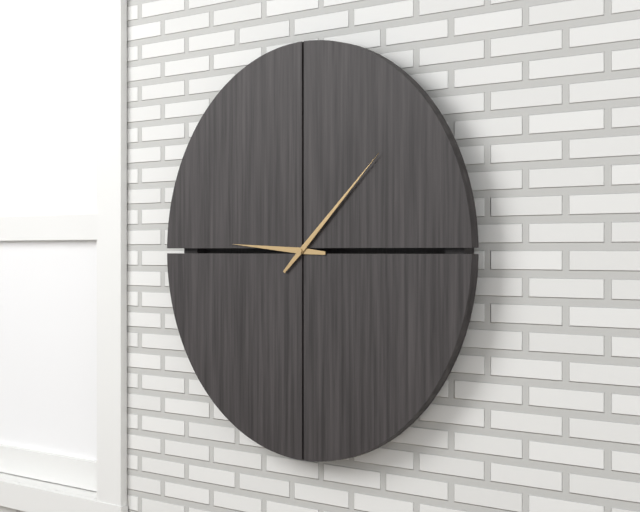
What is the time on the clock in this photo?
9:08
